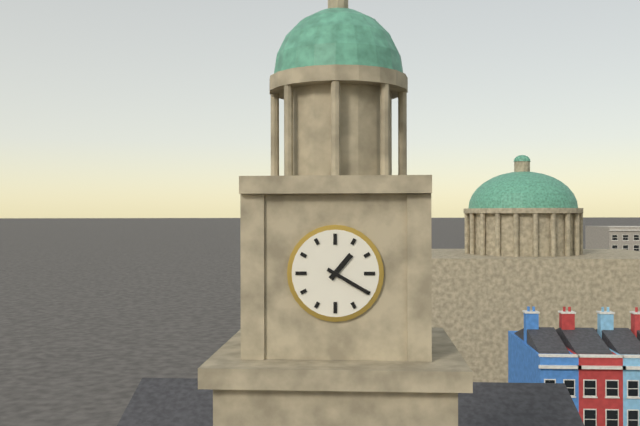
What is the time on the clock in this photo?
1:20
